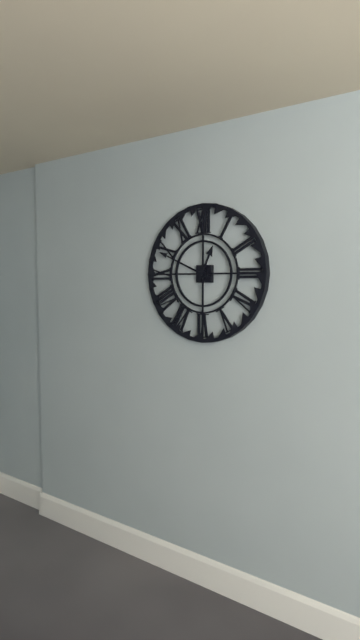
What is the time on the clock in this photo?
12:49
